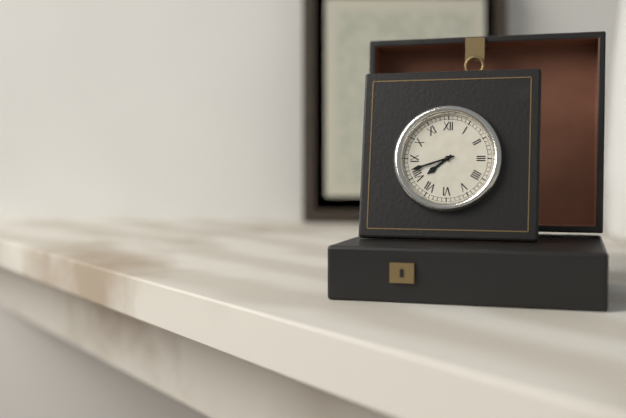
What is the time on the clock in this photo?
7:42
